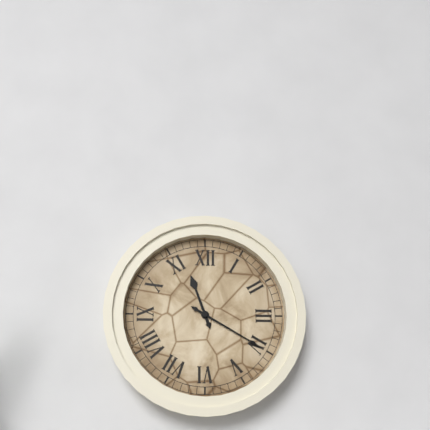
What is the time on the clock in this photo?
11:20
